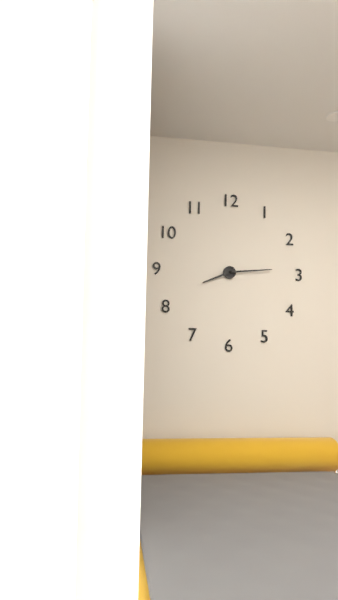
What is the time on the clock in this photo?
8:14
